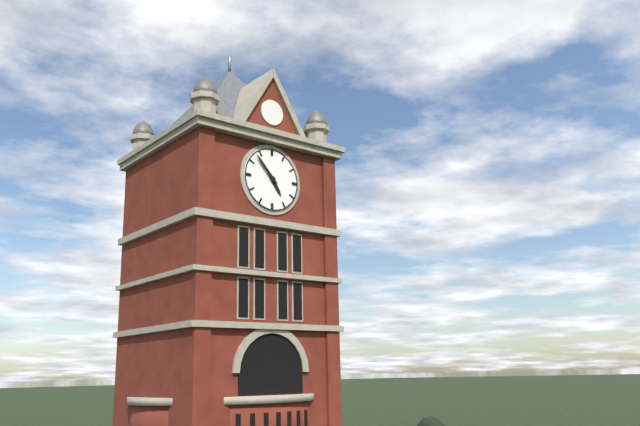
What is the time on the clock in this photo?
4:53
